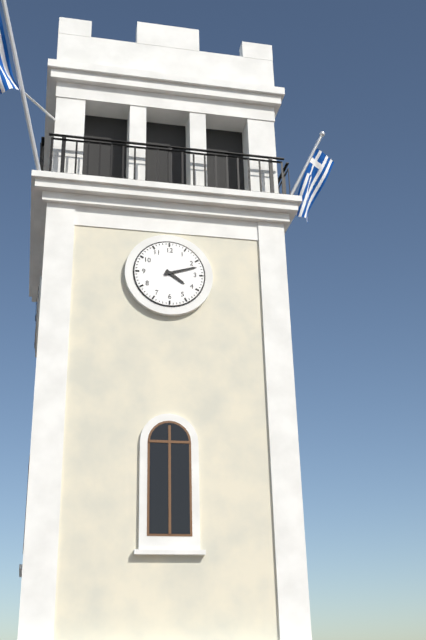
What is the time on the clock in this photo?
4:12
